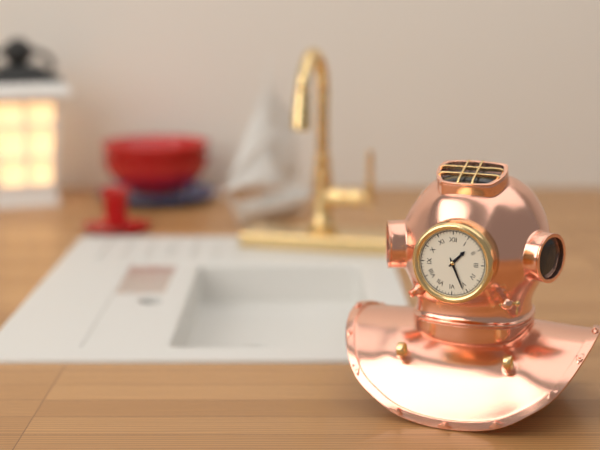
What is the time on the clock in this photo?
1:26
